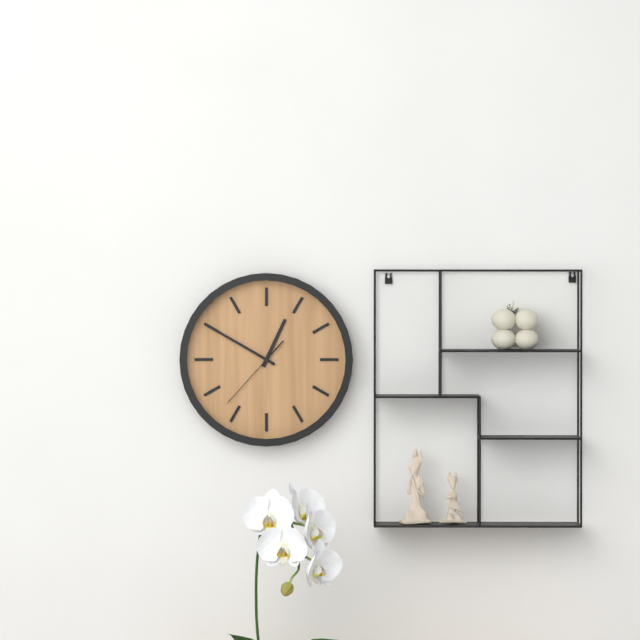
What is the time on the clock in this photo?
12:50:37
